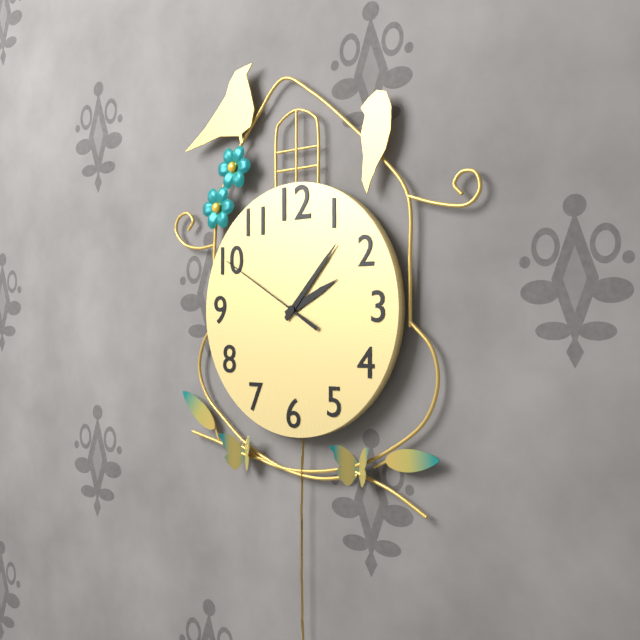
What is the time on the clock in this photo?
2:07:50
